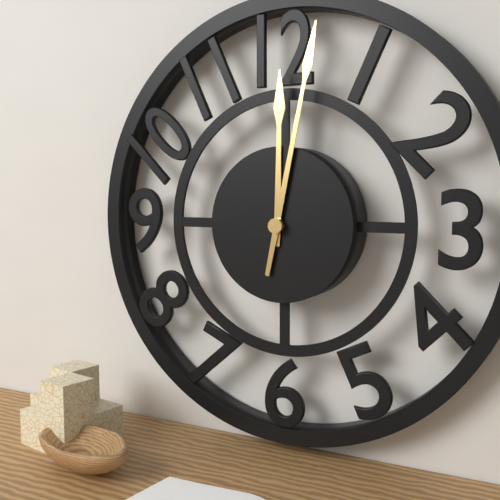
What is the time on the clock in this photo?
12:02
